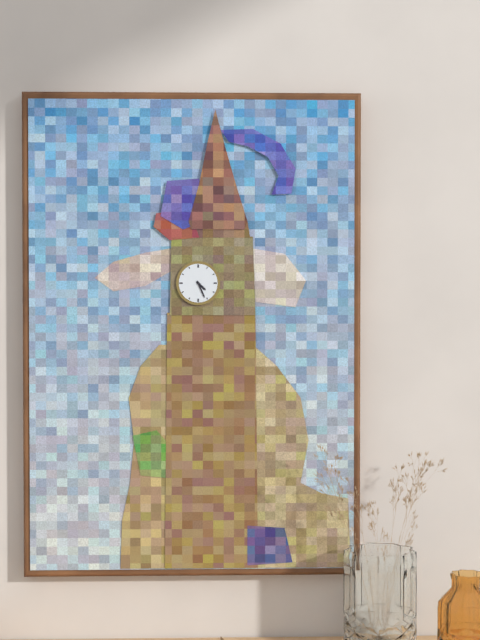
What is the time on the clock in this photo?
4:26
